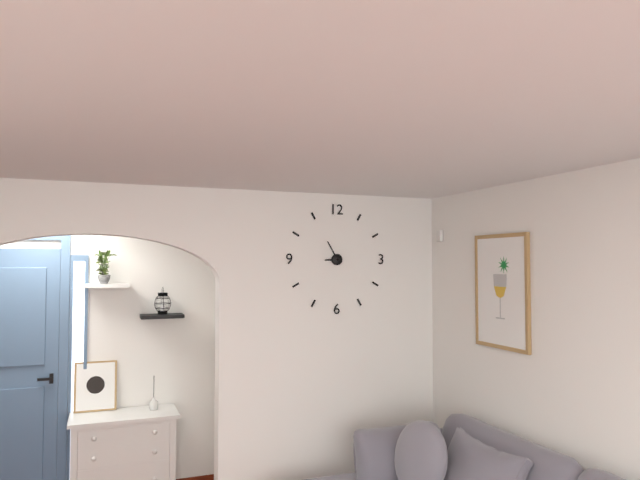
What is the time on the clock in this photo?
8:55
